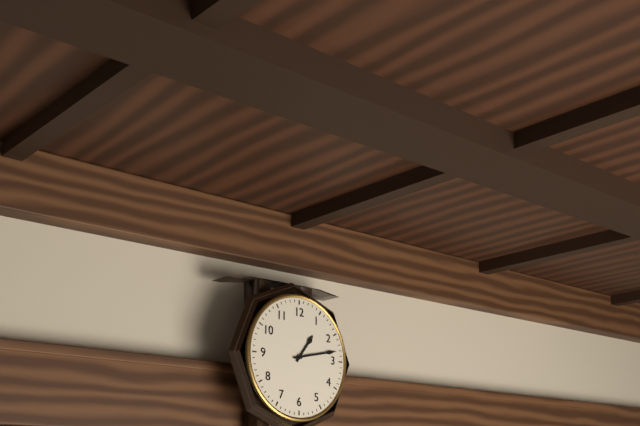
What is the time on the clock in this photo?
1:13
